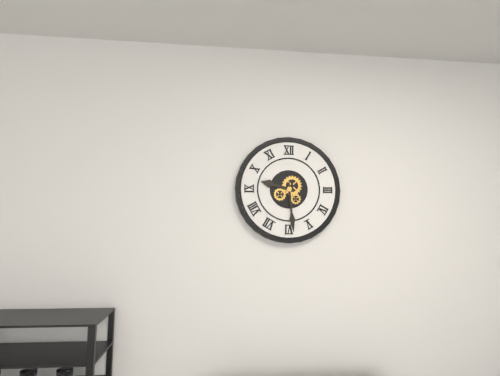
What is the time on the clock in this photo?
9:29
